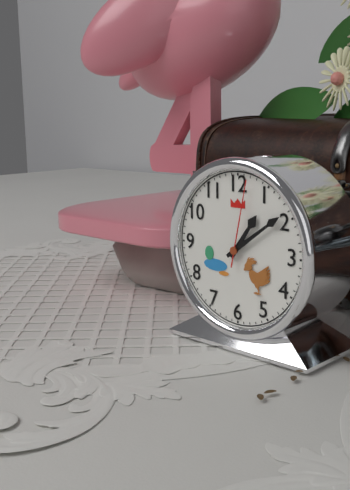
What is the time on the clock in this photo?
1:09:02
